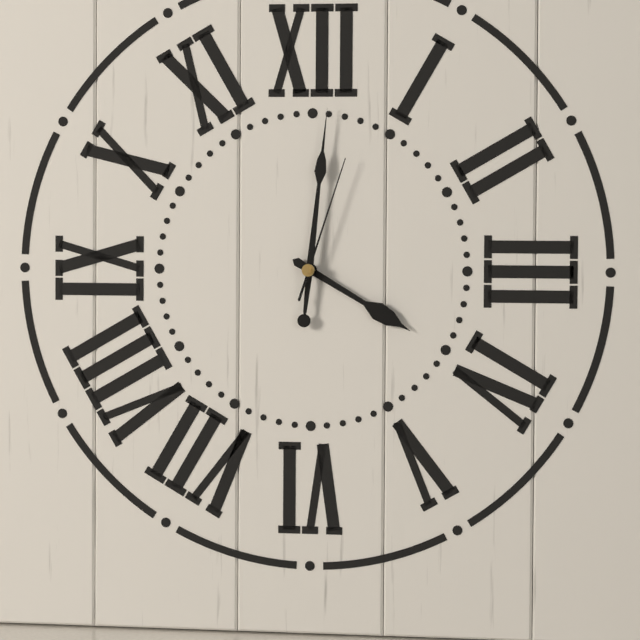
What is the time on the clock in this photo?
4:01:03
